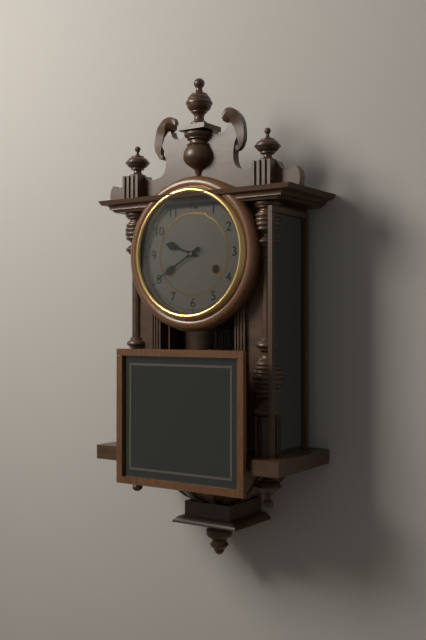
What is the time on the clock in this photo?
9:40
